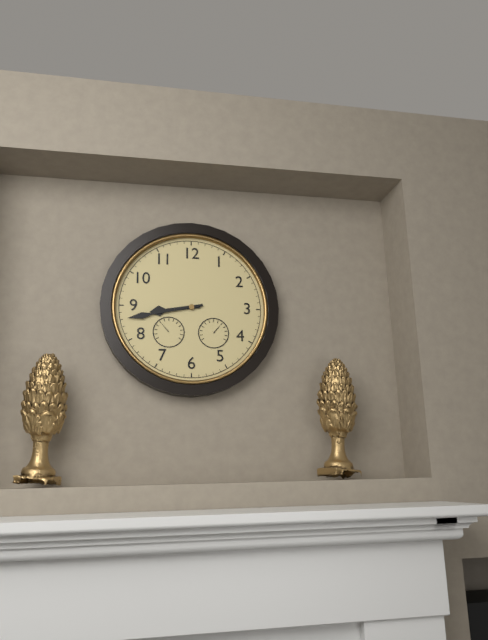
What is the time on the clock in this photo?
8:43
